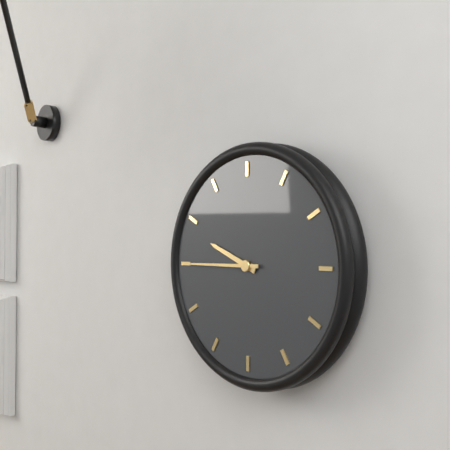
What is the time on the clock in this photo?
9:45
